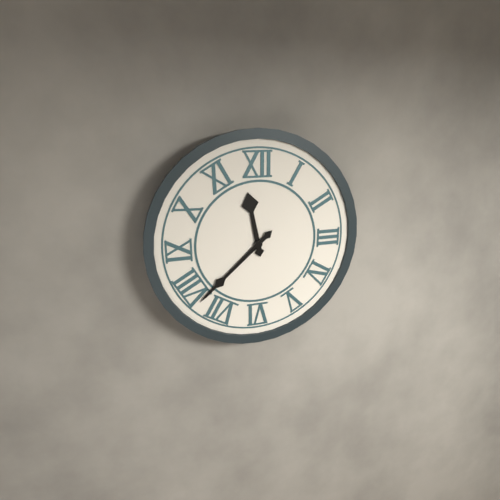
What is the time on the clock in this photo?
11:38
